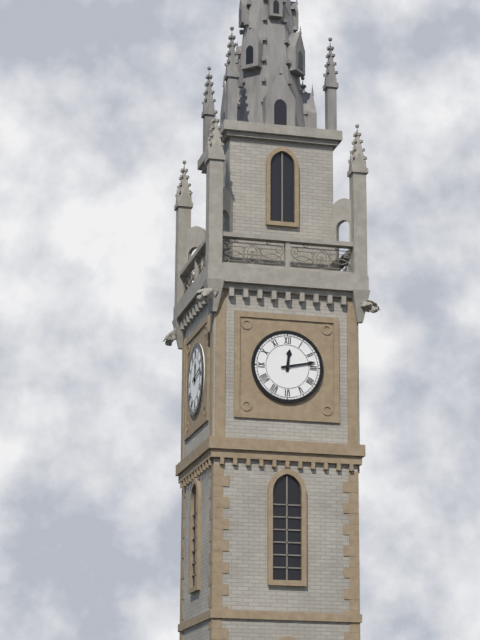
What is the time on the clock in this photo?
12:13
